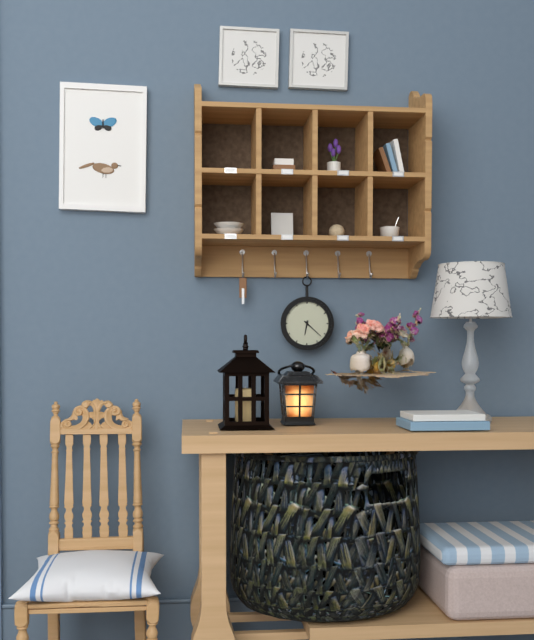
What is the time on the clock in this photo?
6:22
